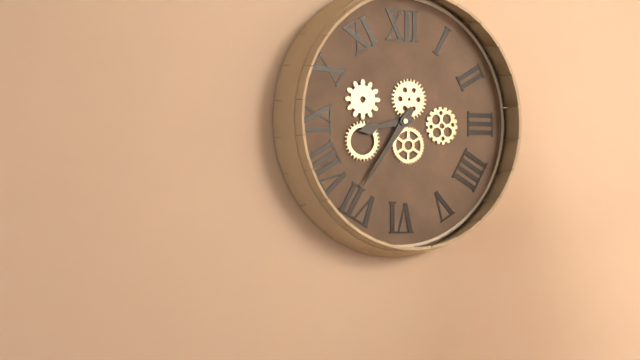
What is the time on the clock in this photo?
8:36
